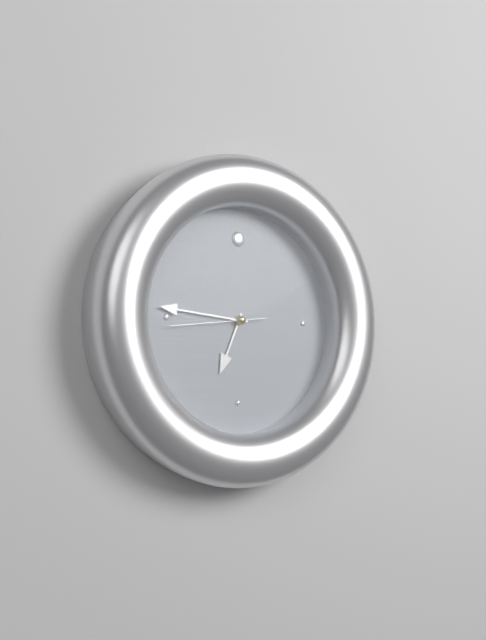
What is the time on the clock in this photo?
6:46:44
